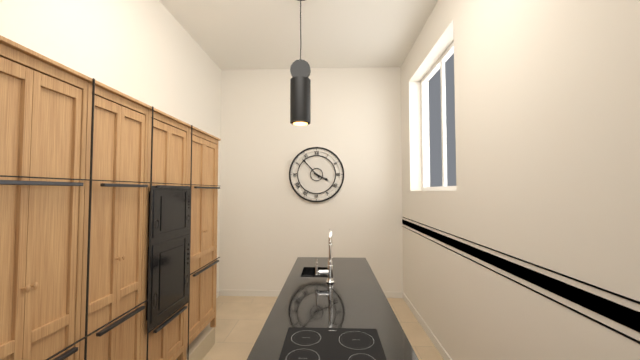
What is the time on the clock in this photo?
3:53
